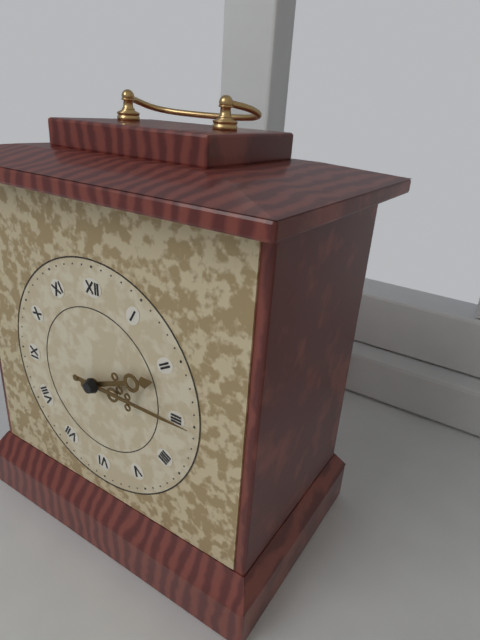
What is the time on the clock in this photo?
2:15
